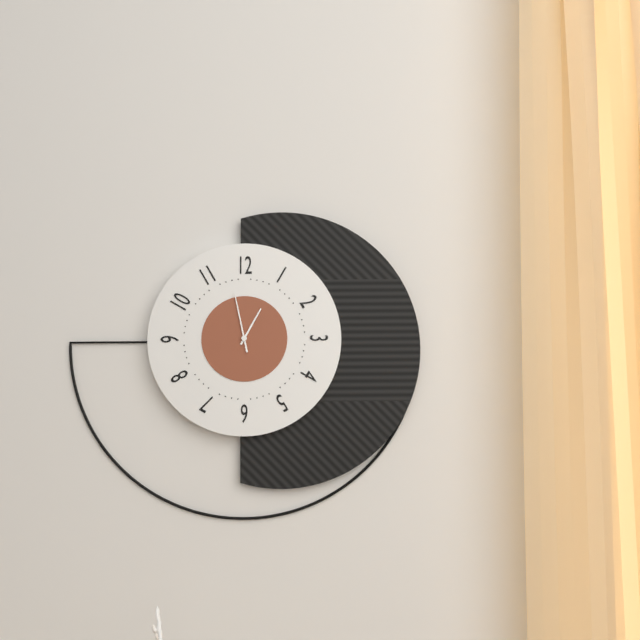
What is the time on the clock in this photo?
12:58
